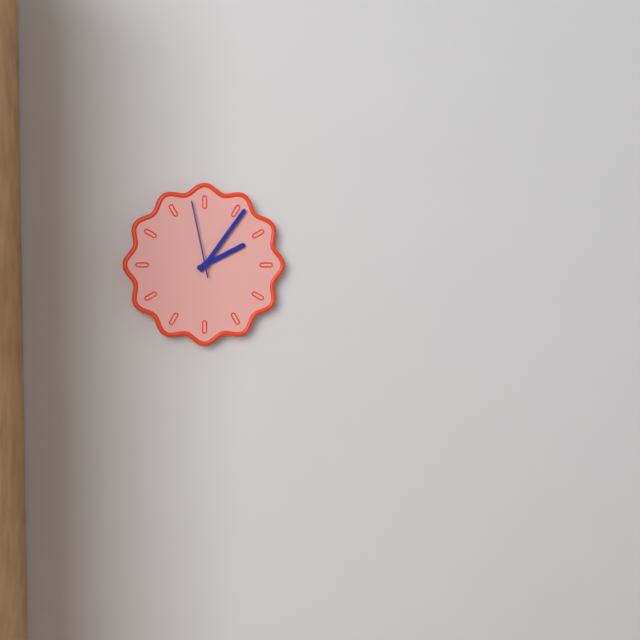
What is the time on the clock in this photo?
2:06:58
